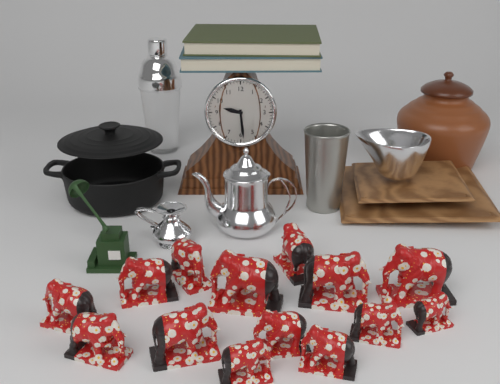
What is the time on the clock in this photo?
9:29
